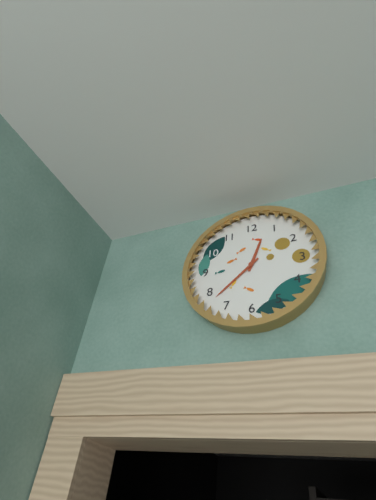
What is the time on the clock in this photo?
12:38
